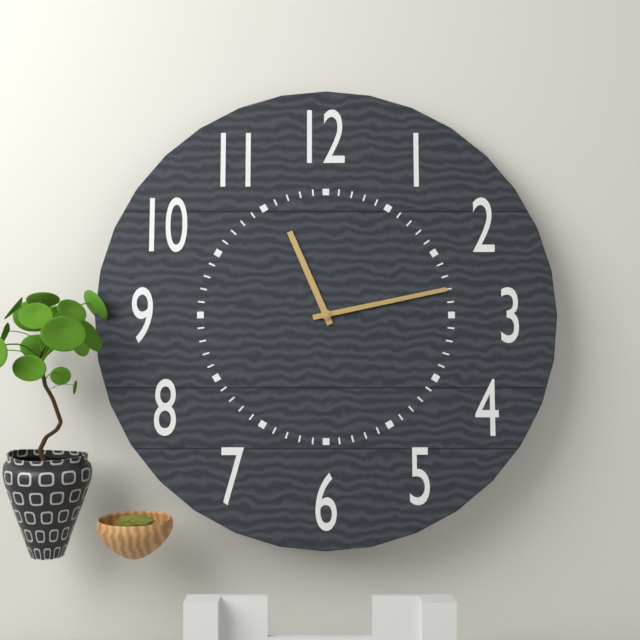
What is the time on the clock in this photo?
11:13
